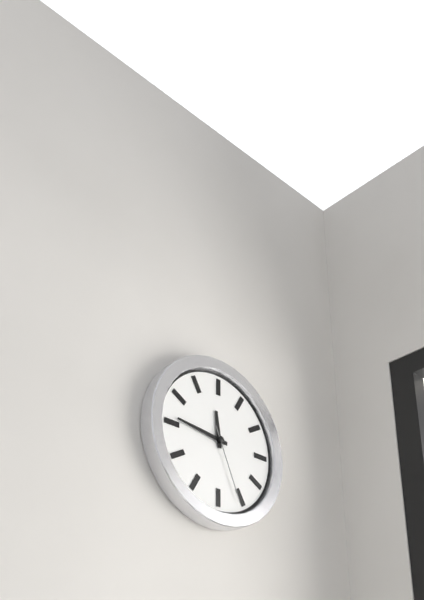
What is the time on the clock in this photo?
11:46:26
